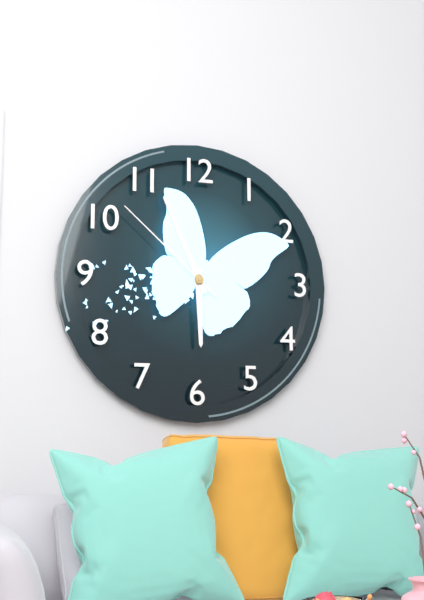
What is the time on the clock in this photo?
5:56:52
